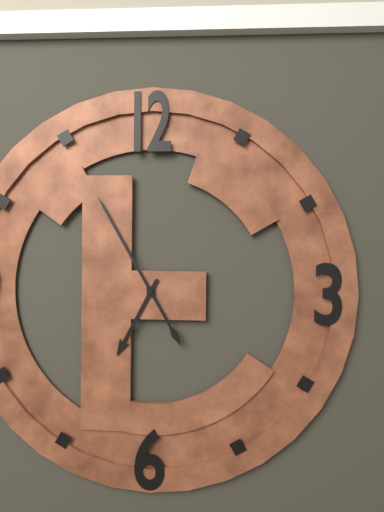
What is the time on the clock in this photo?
6:55
